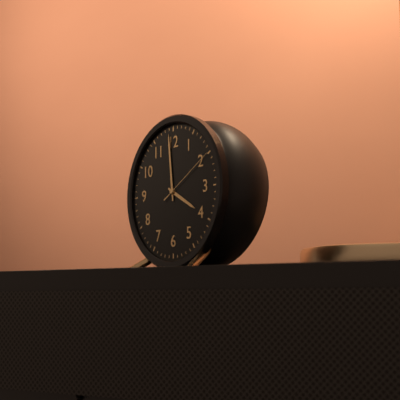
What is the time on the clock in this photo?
3:59:10
